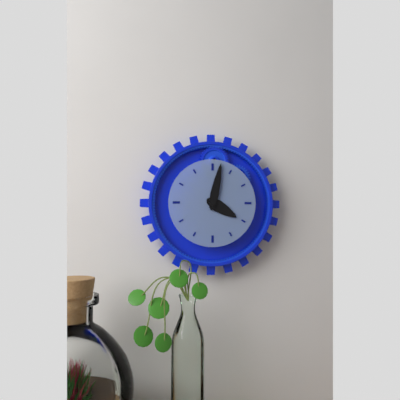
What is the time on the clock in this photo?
4:02
